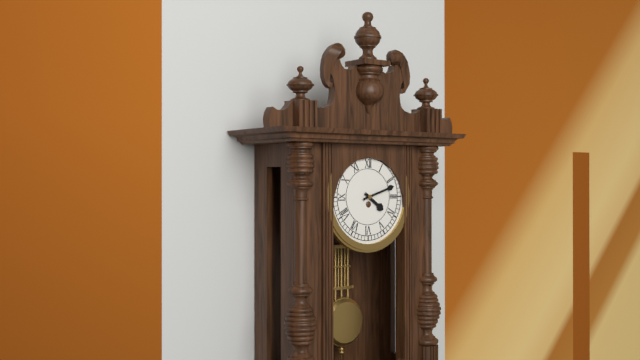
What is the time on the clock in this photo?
4:12
